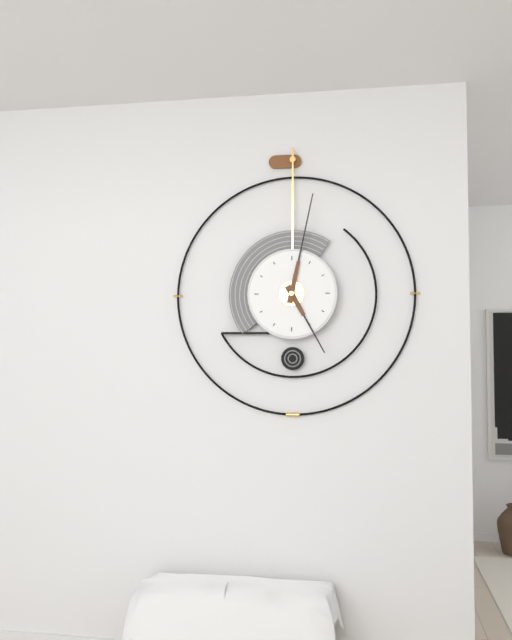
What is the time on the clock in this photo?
5:02
